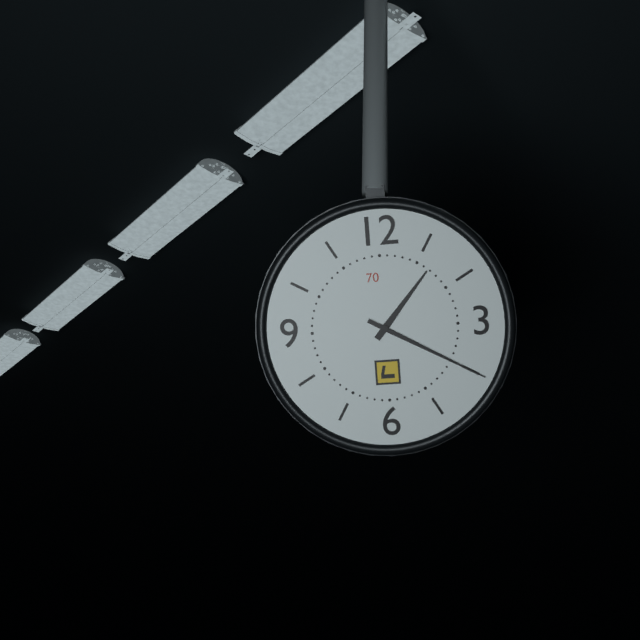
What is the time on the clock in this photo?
1:20
